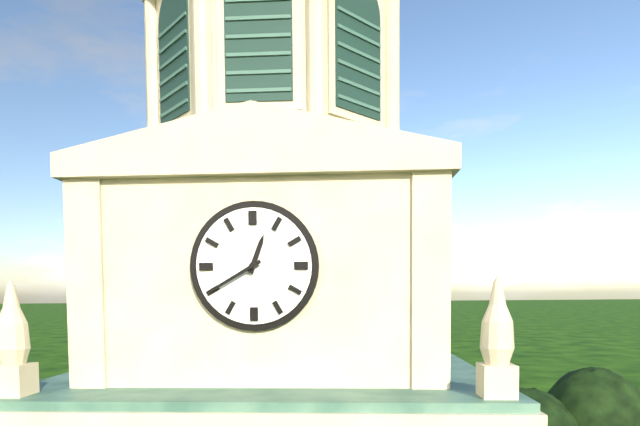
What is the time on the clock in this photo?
12:40
